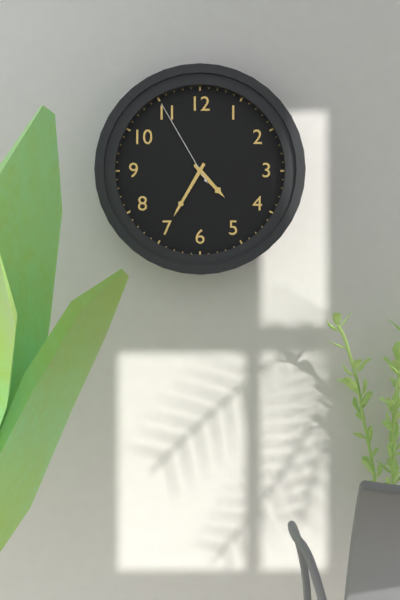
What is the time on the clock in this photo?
4:35:55
